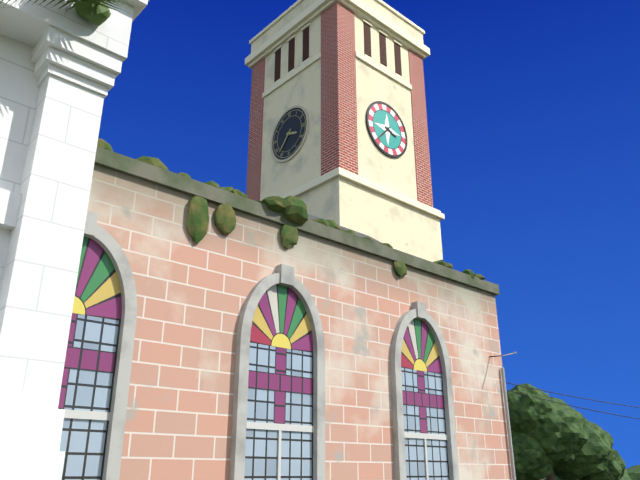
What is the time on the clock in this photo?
3:37
